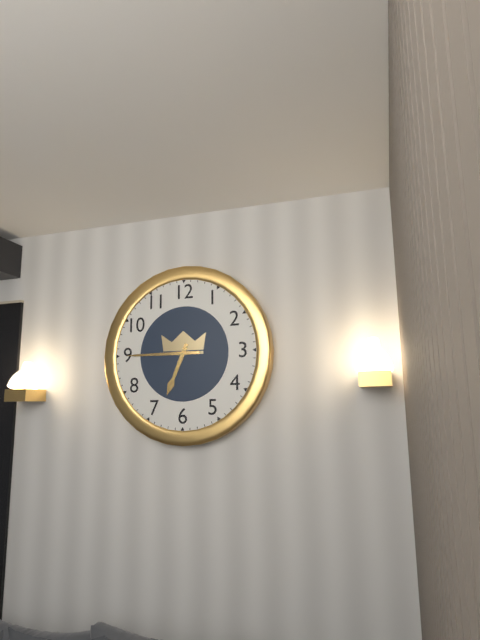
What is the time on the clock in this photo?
6:45
